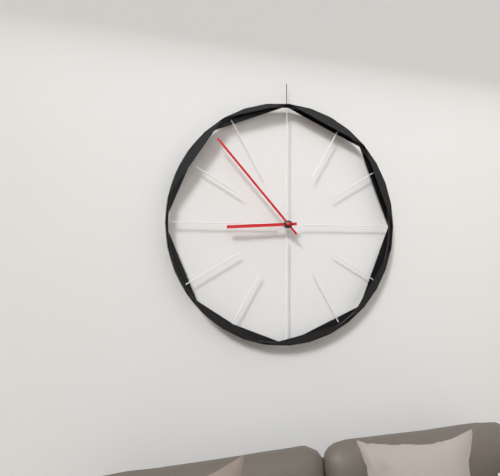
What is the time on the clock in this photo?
8:53
